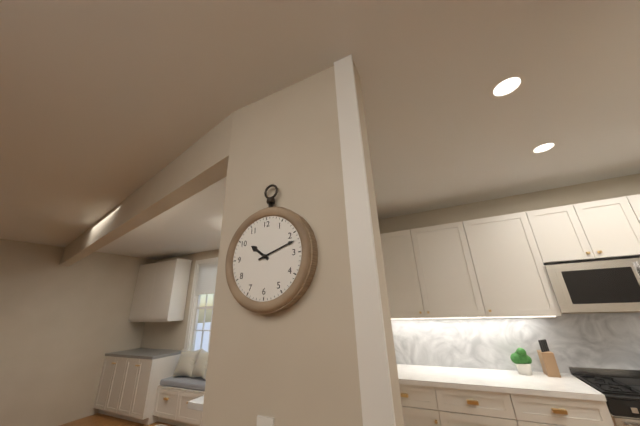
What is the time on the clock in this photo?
10:12
